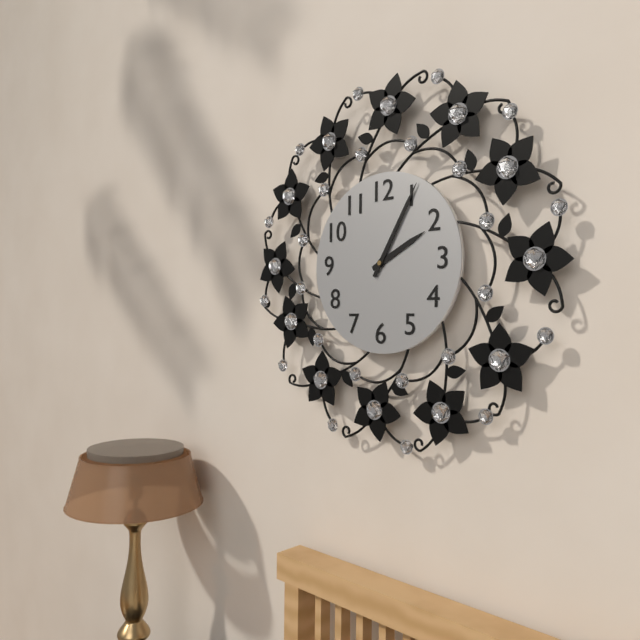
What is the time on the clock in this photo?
2:05
